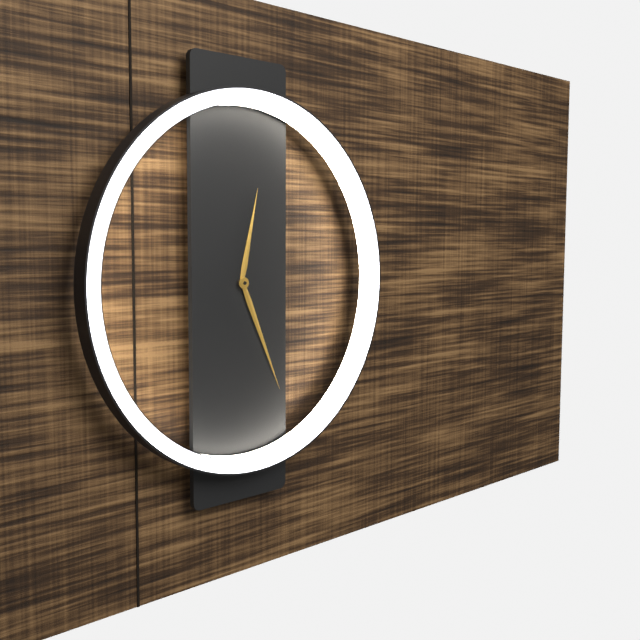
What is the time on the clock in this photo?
12:26
